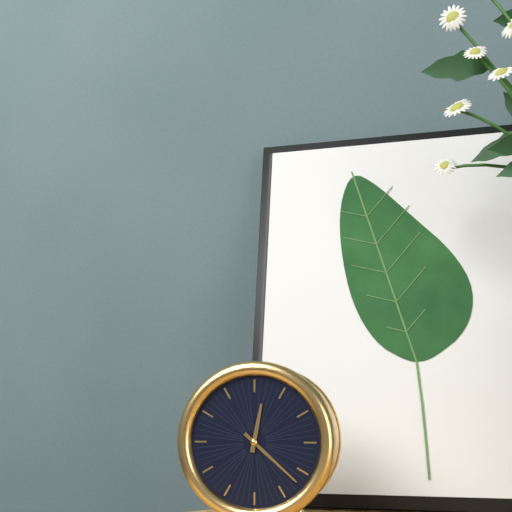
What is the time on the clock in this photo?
12:22
